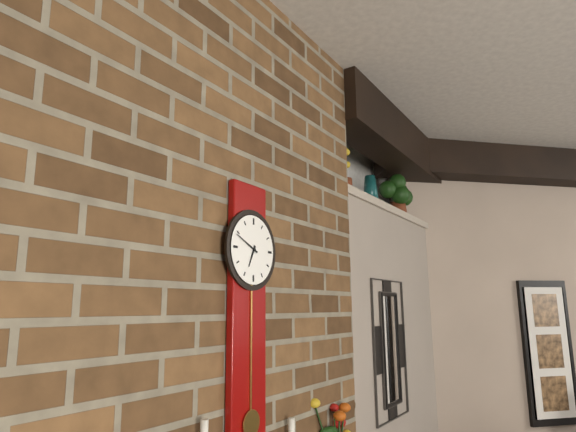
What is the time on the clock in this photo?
6:49
